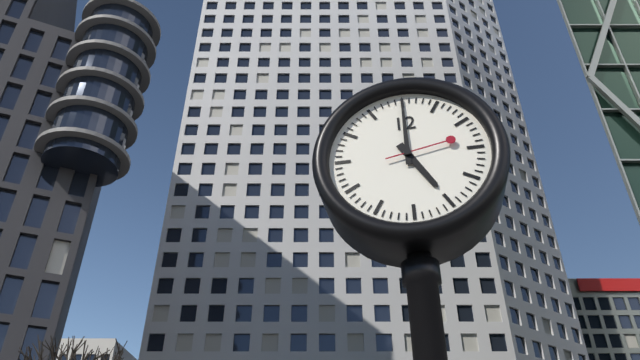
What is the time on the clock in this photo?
5:00:13
